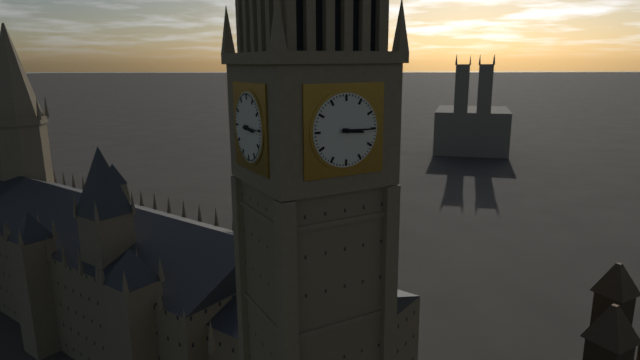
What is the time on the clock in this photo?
3:15
